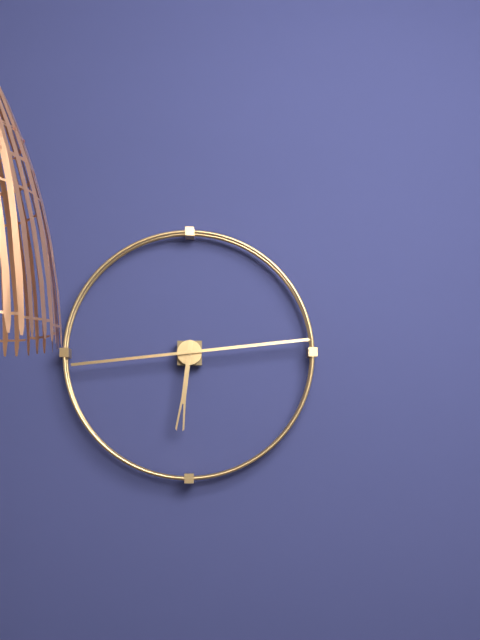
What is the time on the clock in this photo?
6:14
